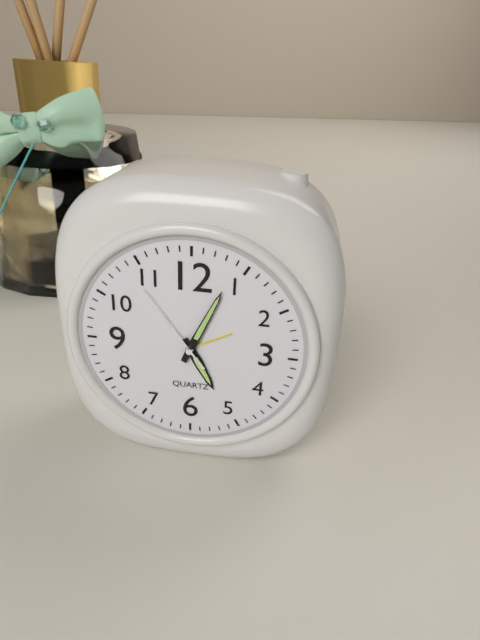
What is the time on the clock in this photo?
5:04:54
